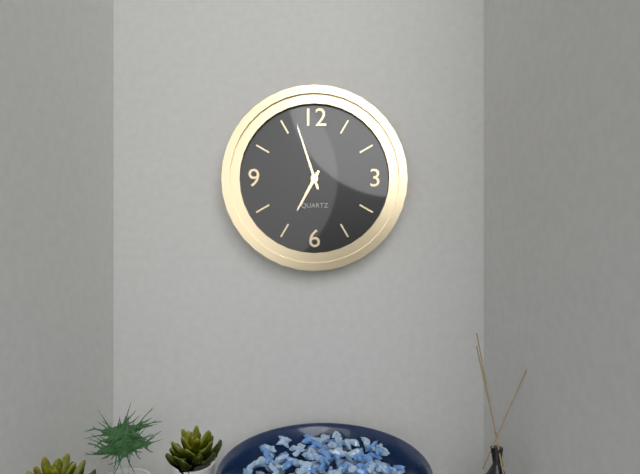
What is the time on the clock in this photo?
6:57
